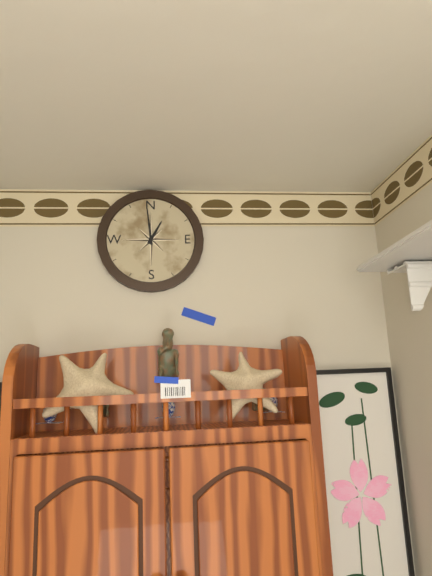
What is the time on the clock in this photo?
12:59
